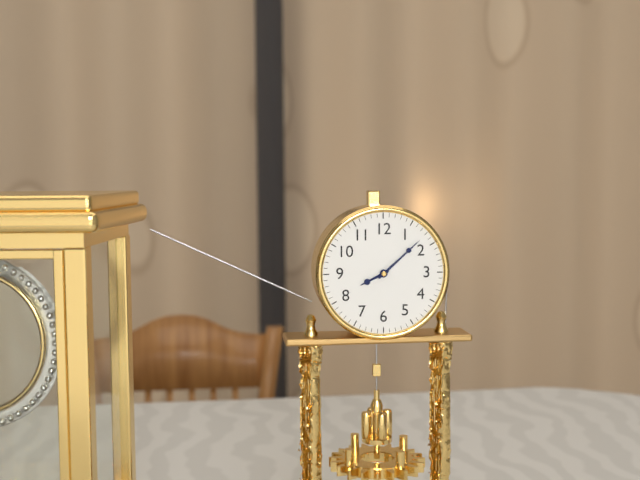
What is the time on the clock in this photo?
8:08
